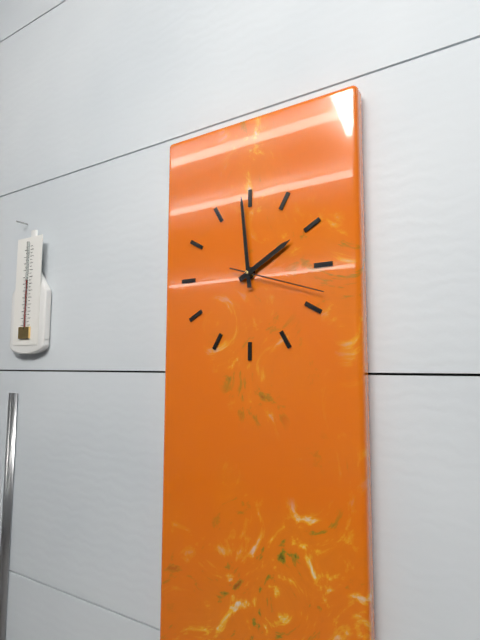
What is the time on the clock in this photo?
1:59:18
